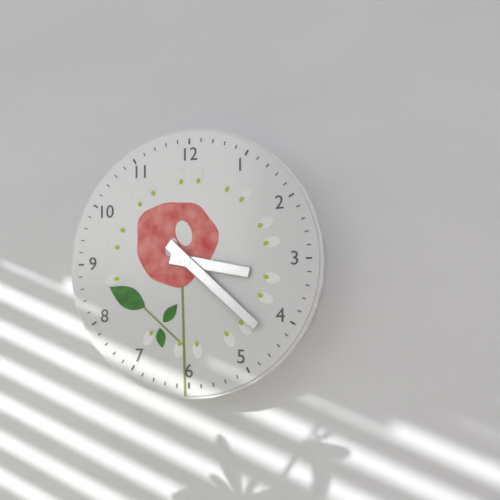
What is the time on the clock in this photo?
3:22
